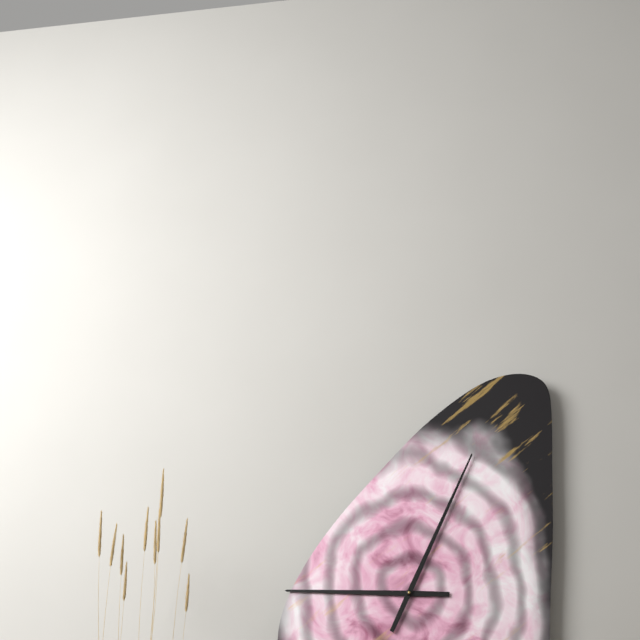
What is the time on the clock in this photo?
9:04
